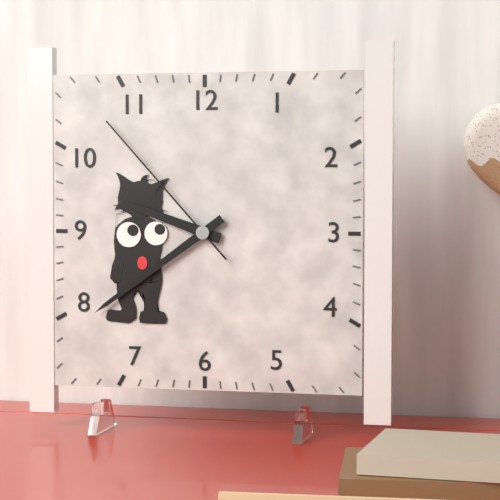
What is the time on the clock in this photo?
9:39:53
